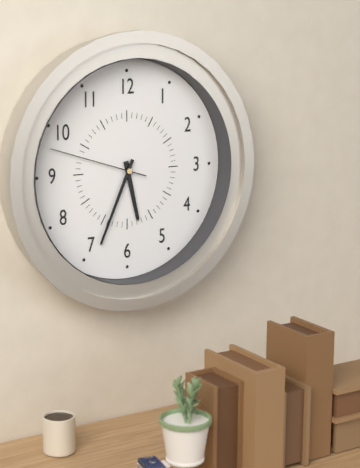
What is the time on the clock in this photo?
5:34:48
